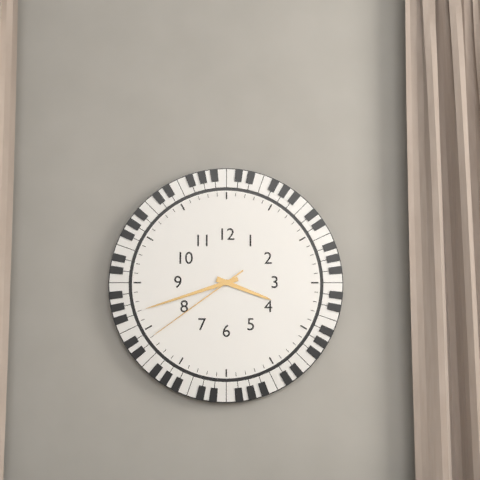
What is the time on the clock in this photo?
3:42:39
